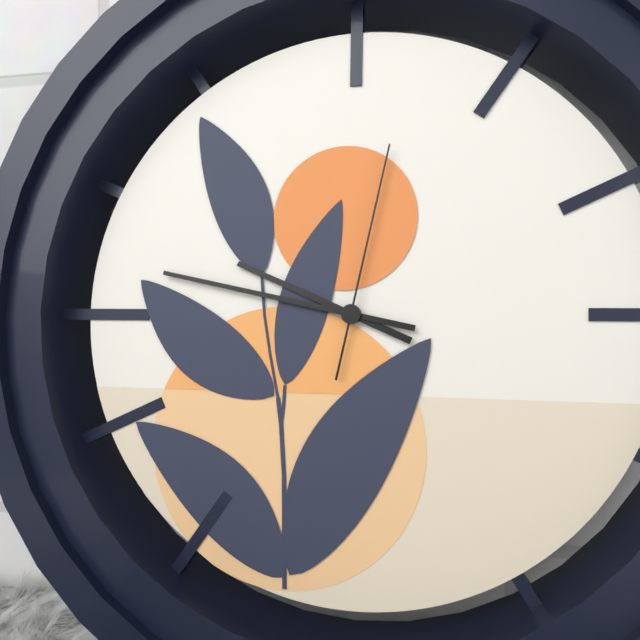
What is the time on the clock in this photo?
9:47:02
